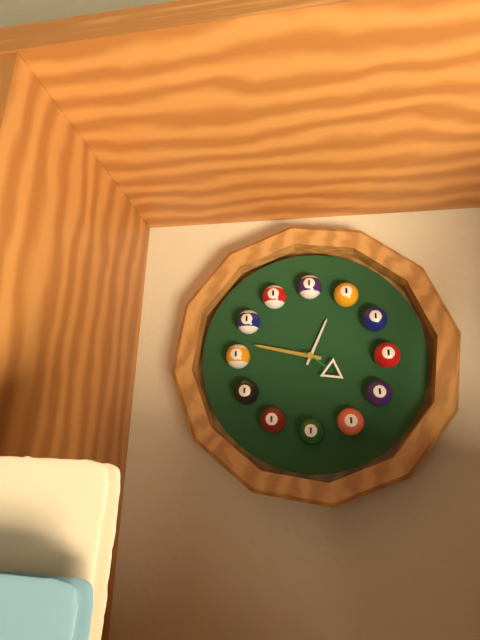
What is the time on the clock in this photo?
12:47:21
